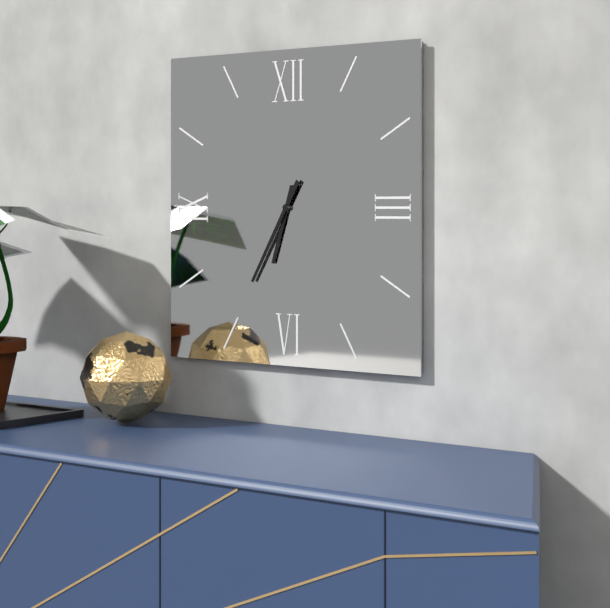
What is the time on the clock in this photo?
6:35
